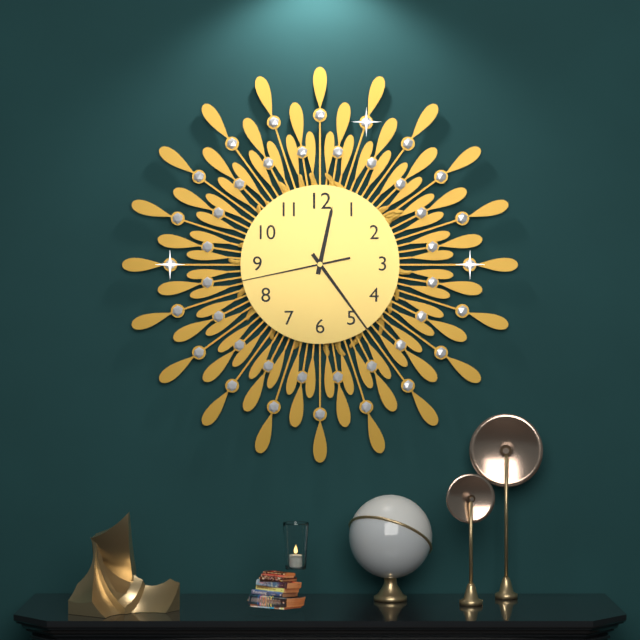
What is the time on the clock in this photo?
12:24:43
